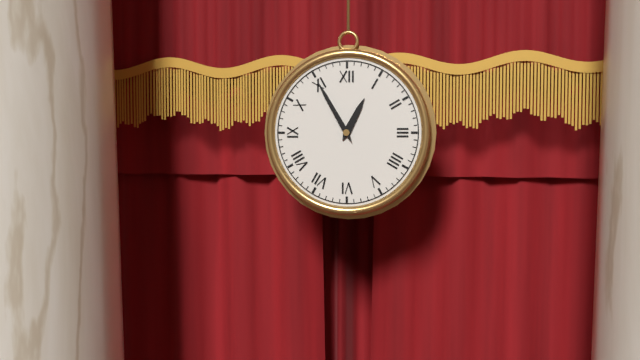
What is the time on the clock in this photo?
12:55
